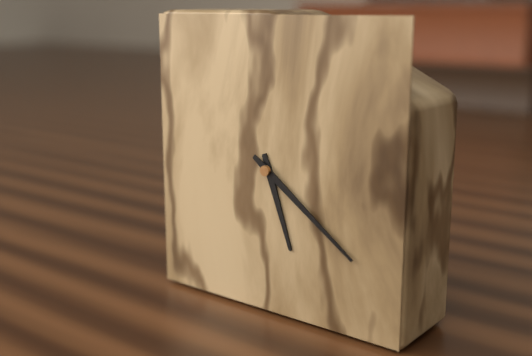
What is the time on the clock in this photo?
5:21
